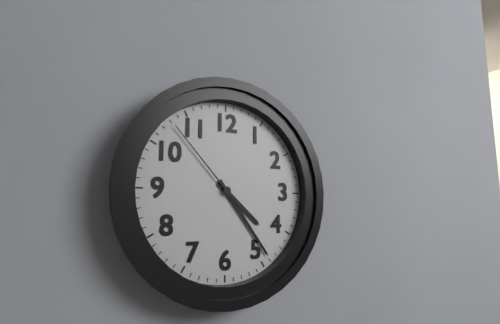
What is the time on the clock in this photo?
4:24:53
